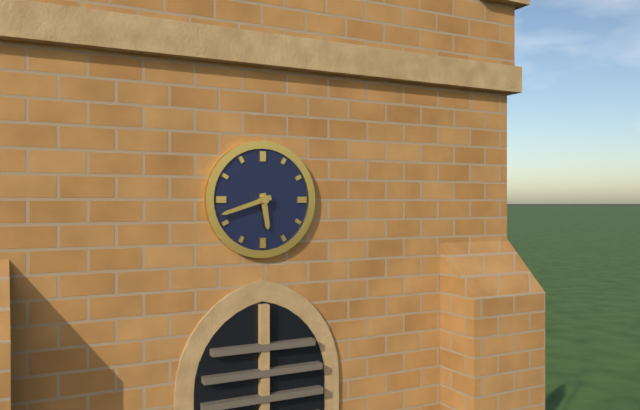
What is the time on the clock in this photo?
5:42
